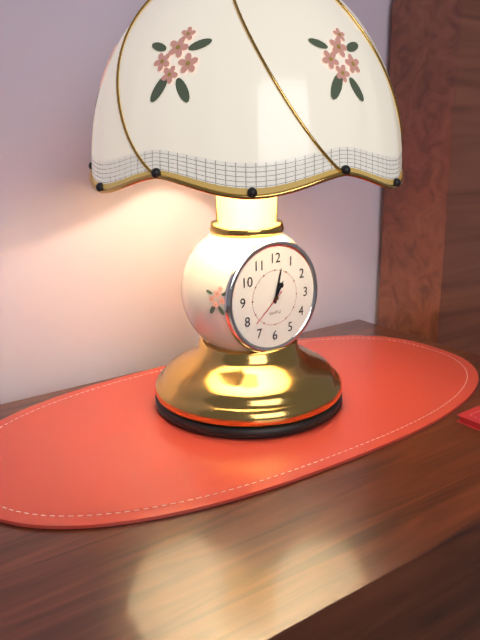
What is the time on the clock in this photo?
1:02
